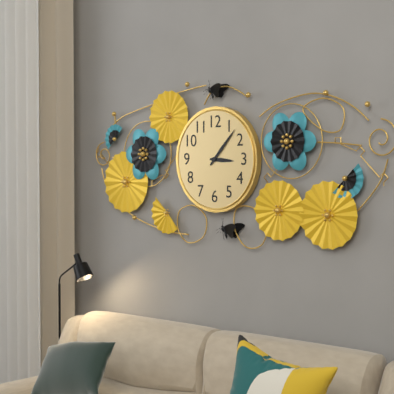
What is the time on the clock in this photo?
3:07
